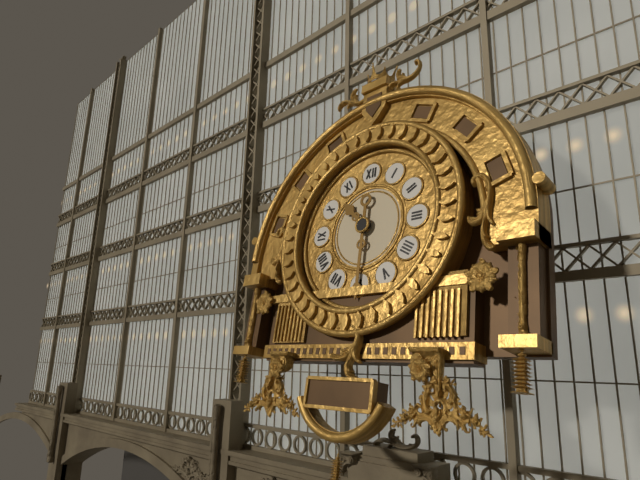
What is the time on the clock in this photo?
10:30
